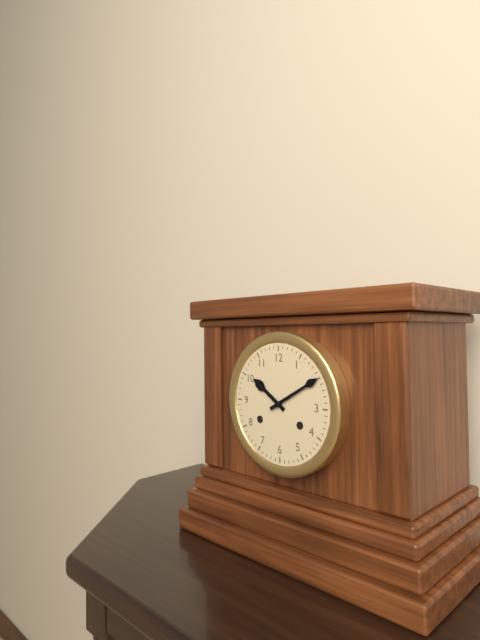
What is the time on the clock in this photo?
10:10
